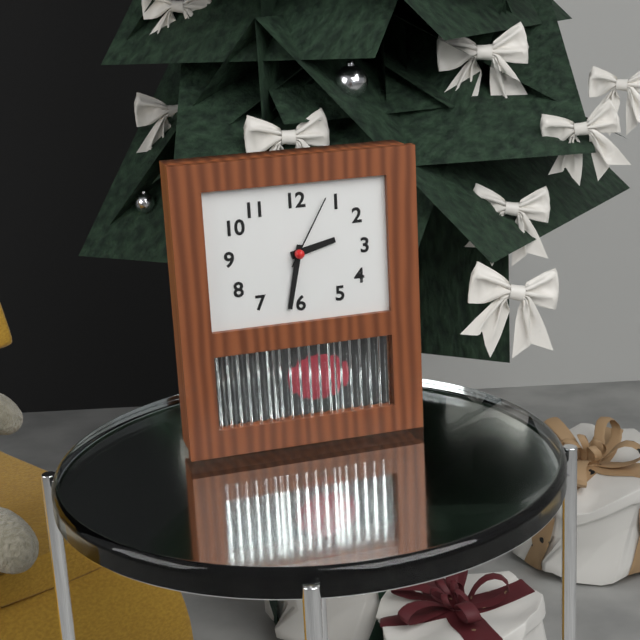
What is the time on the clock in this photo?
2:32:05
